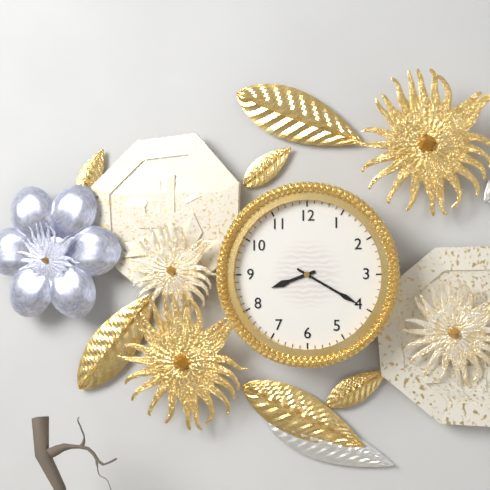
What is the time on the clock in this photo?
8:20
